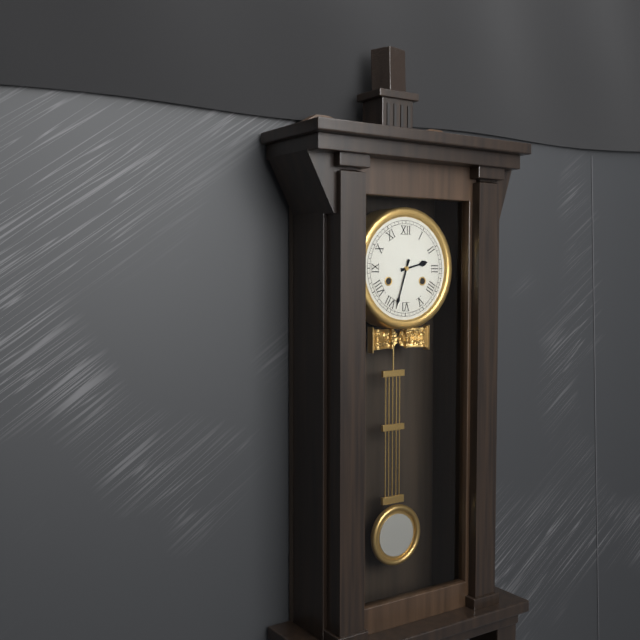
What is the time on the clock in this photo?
2:33
